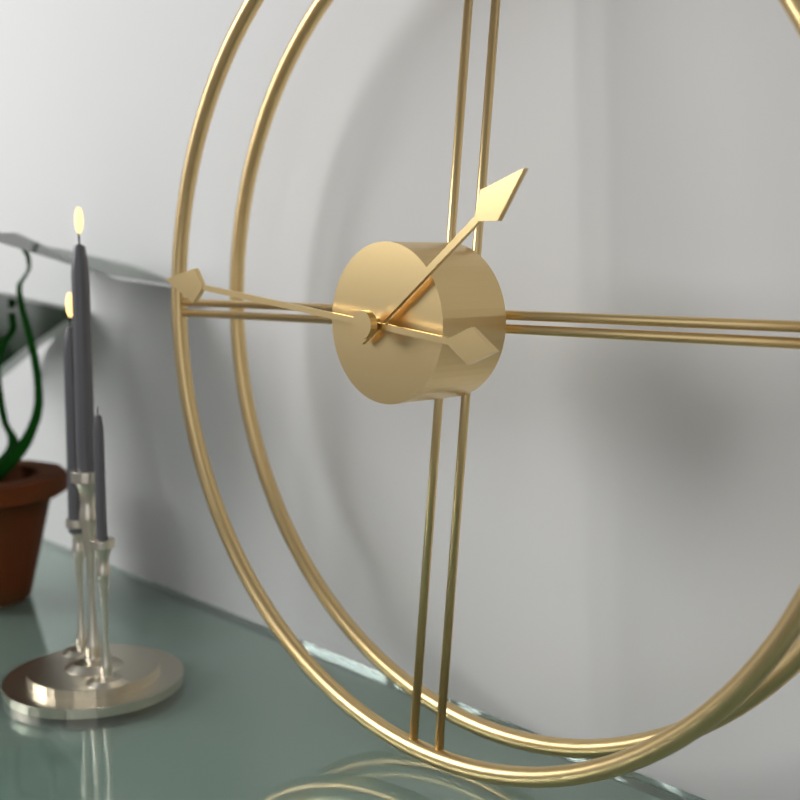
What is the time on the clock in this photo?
1:46
